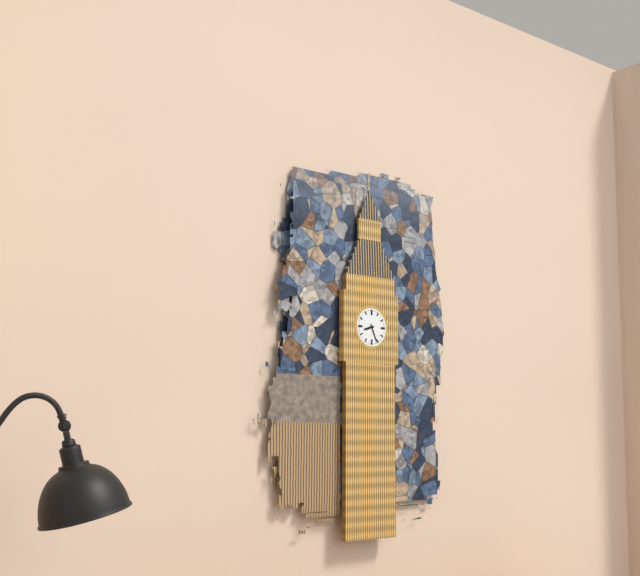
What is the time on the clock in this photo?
8:26
